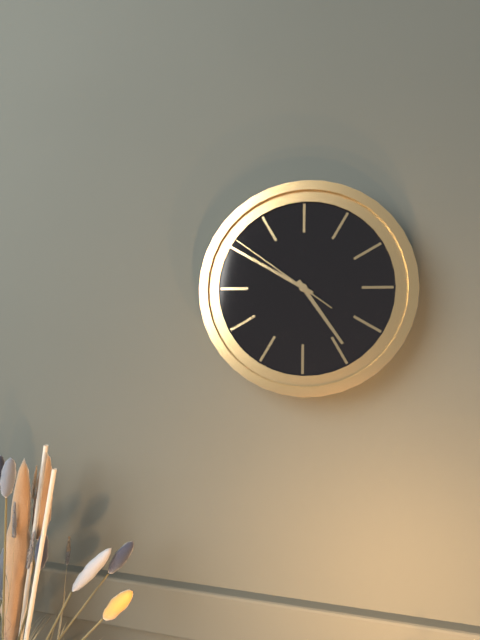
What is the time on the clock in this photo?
4:50:51
